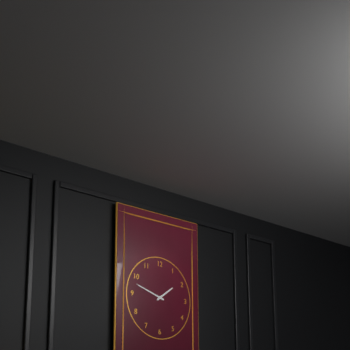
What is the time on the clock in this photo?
1:48
